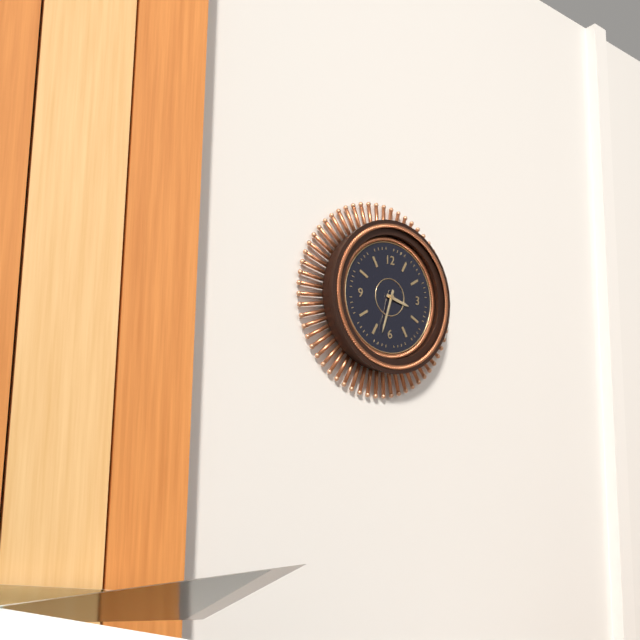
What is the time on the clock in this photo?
3:33
